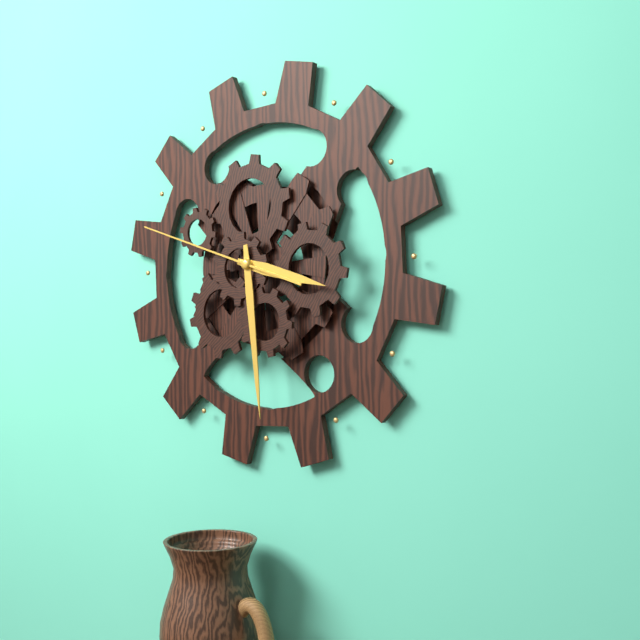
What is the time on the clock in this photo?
3:29:48
